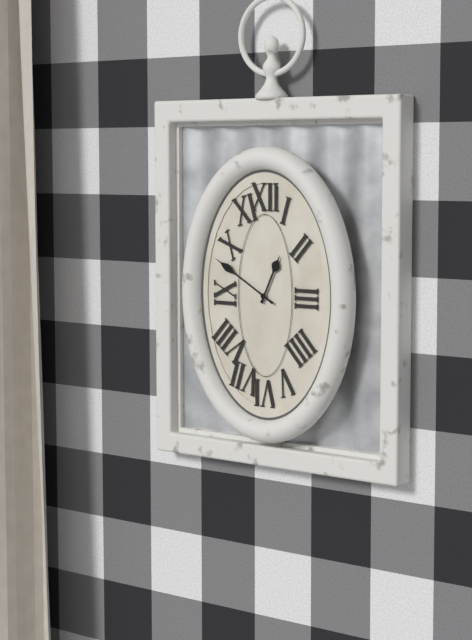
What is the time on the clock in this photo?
12:50
